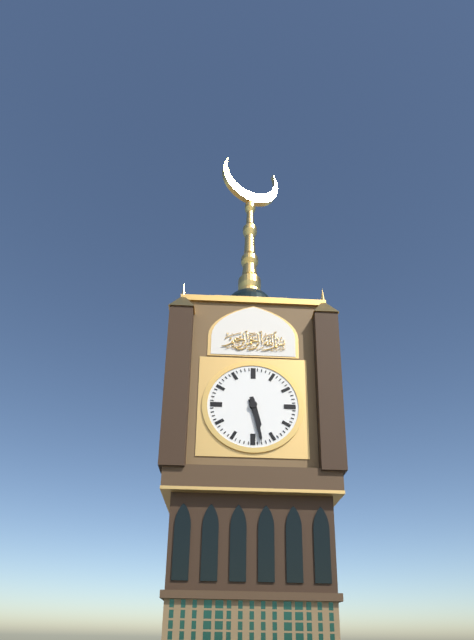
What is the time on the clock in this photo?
5:28
